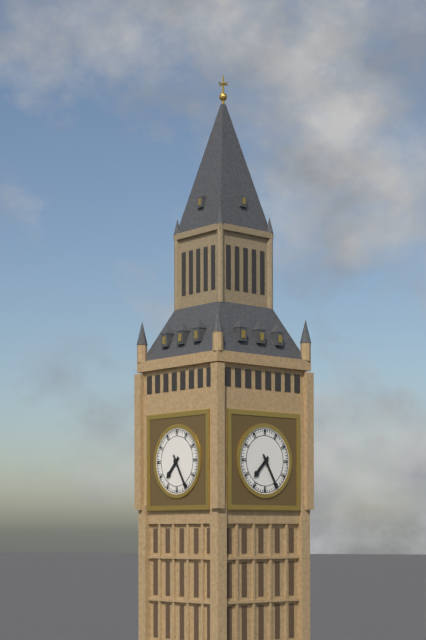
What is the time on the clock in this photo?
7:25
